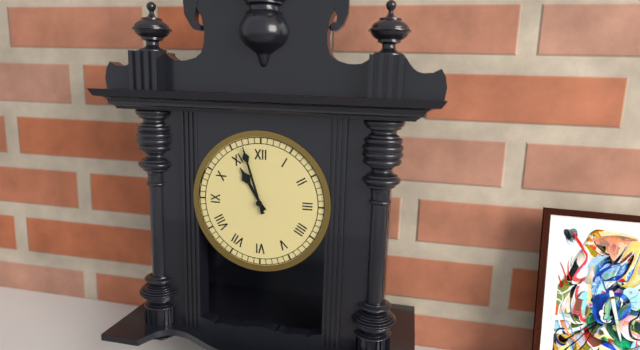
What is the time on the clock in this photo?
10:57
